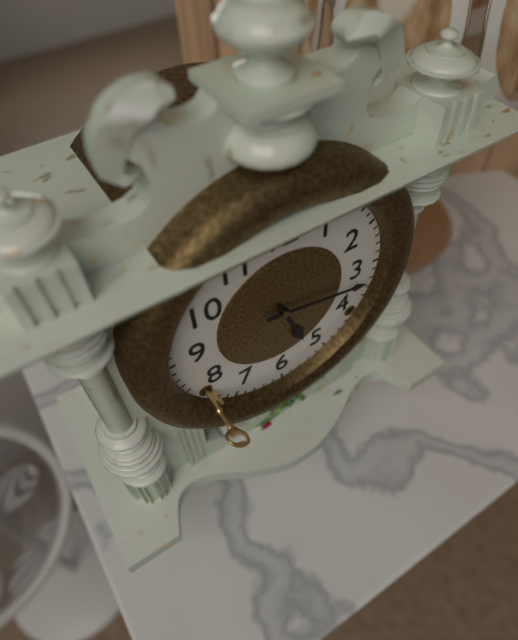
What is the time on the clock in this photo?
5:17
